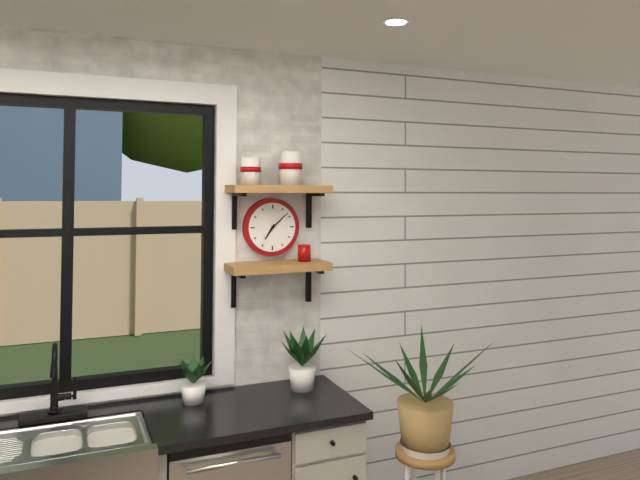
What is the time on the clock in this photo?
7:08
